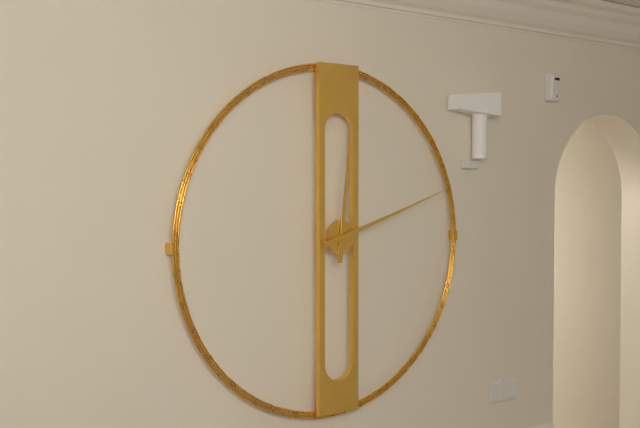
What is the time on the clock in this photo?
12:12
